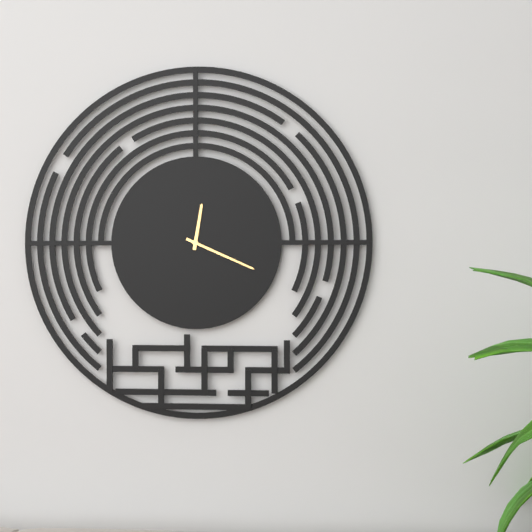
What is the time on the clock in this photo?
12:19
